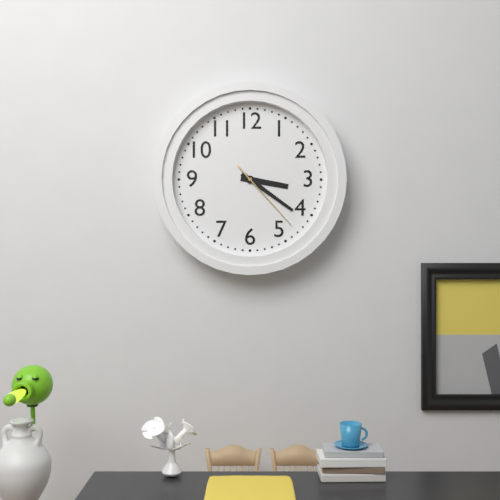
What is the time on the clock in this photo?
3:21:23
